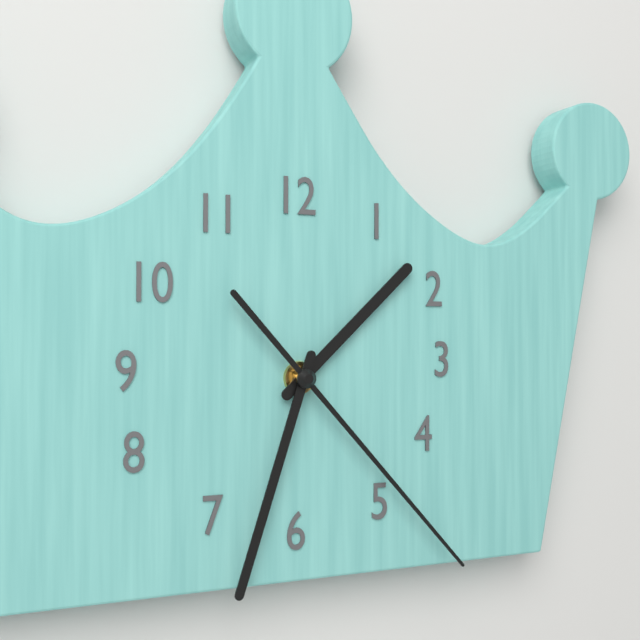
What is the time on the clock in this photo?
1:33:23
